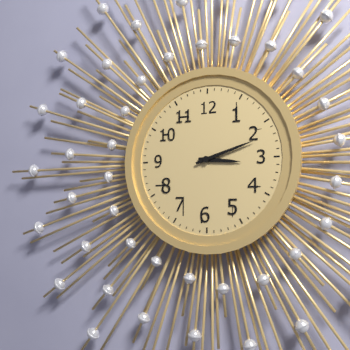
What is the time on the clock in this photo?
3:12
